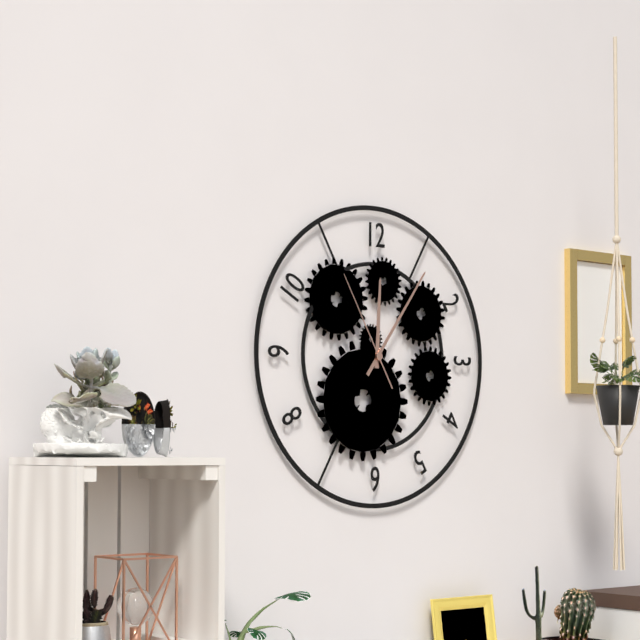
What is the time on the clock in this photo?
12:06:55
